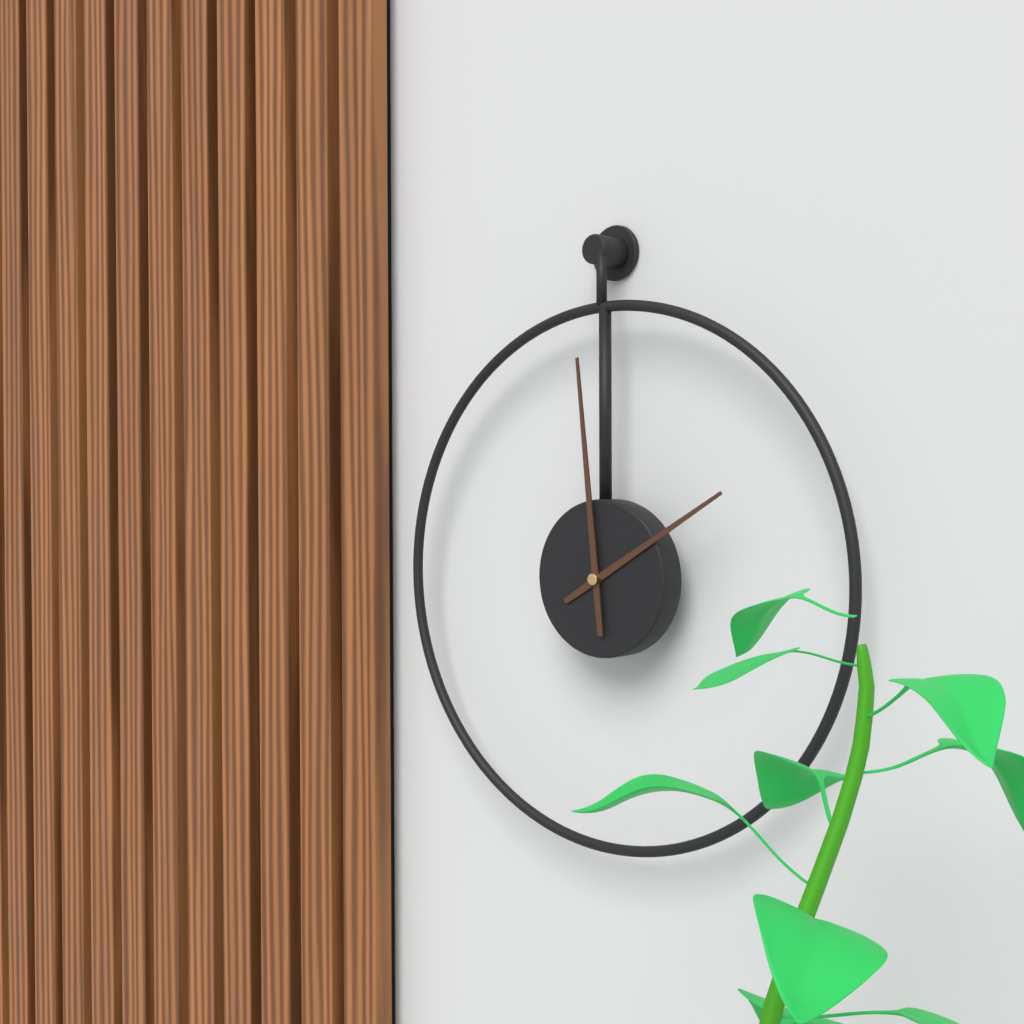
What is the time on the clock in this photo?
1:59
